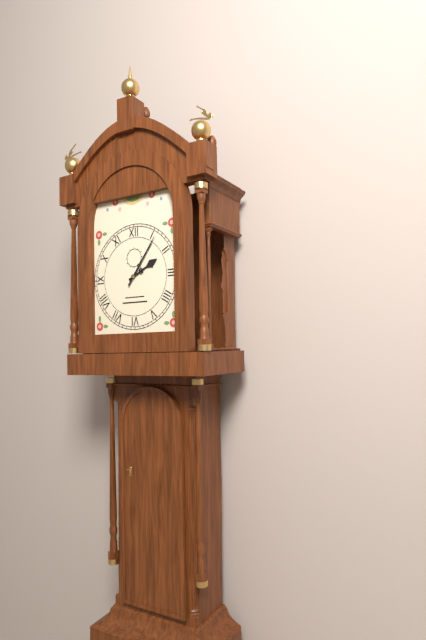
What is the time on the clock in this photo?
2:06
